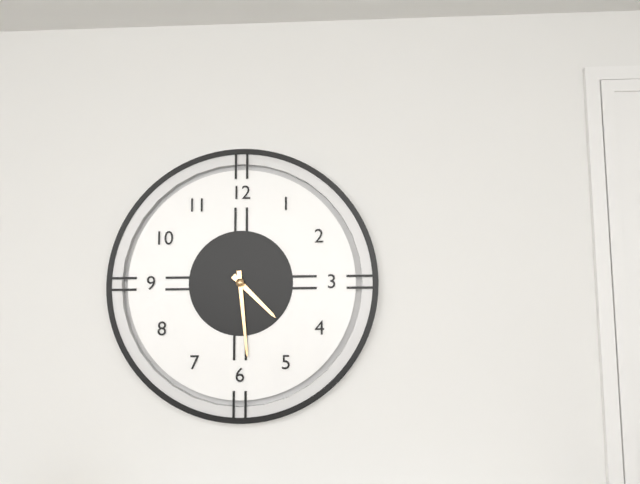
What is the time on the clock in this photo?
4:29
